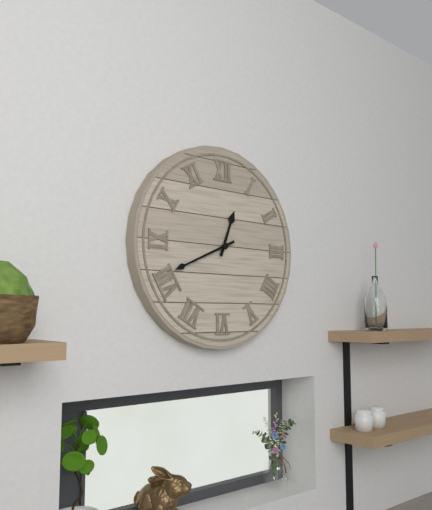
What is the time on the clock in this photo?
12:41
